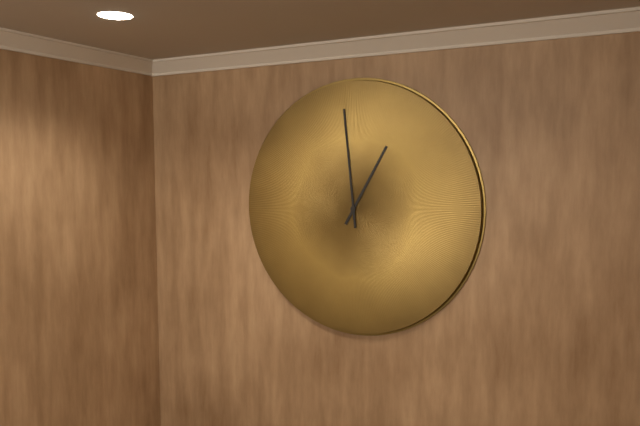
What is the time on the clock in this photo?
12:59
